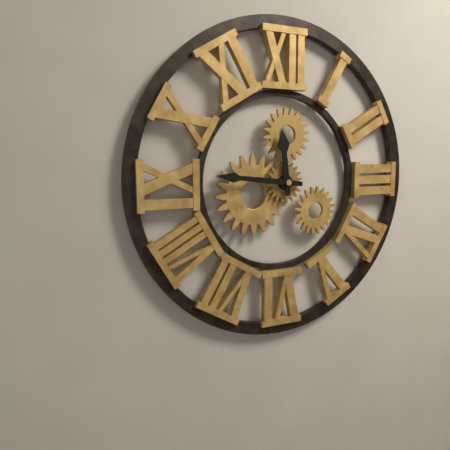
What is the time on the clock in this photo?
11:46
